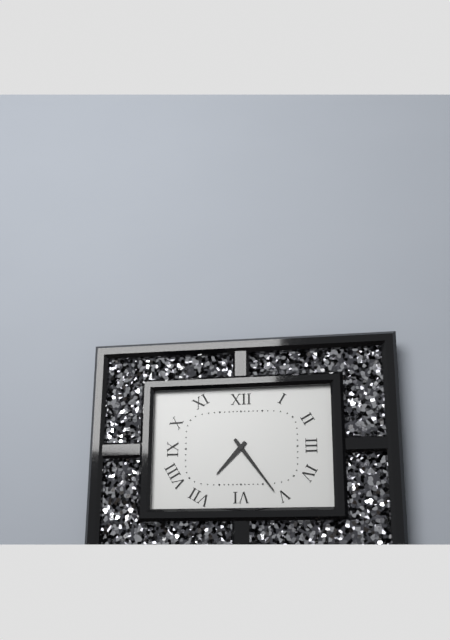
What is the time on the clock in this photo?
7:24
